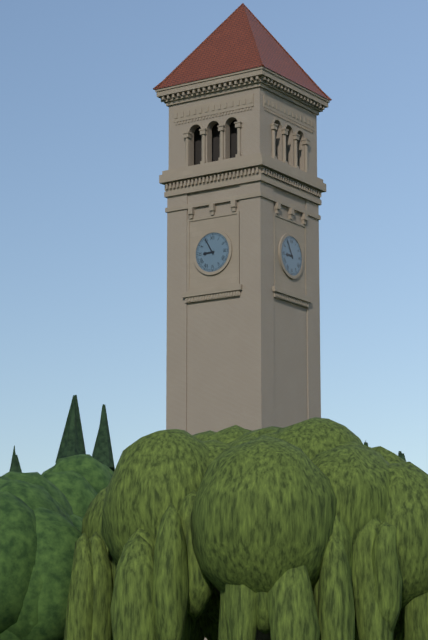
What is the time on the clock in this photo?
8:55
